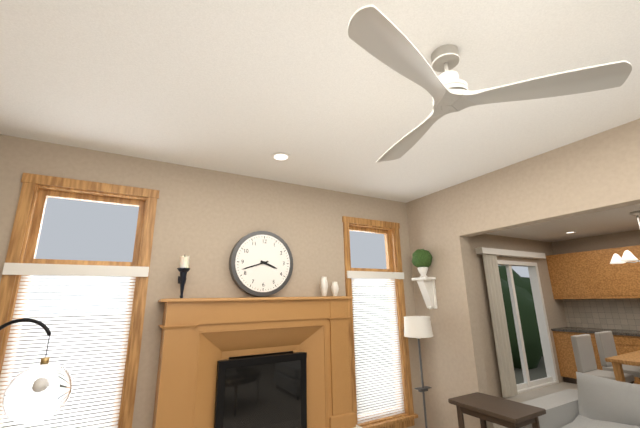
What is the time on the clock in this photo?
3:42
